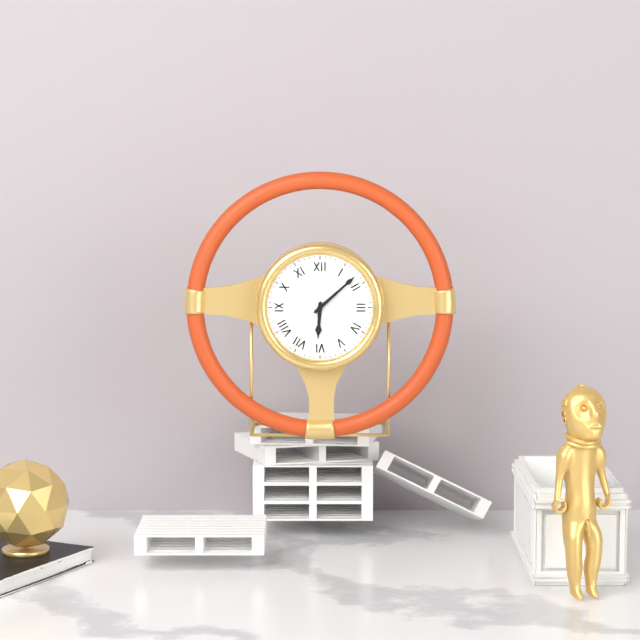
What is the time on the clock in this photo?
6:08
